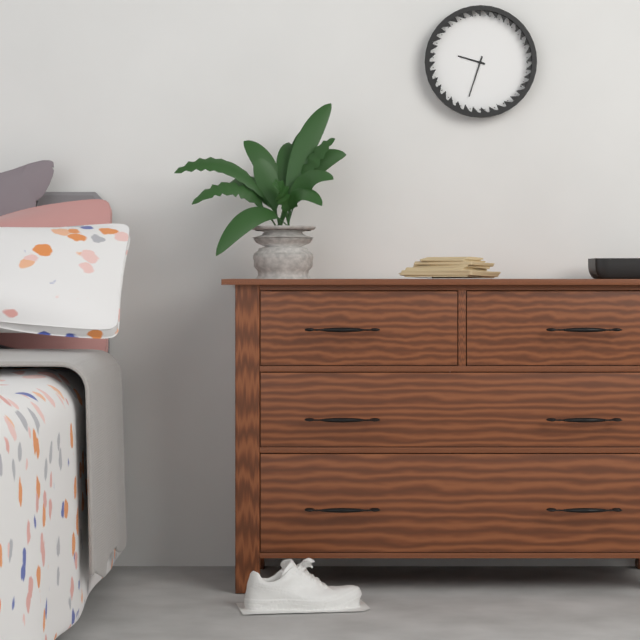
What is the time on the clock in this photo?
9:33
